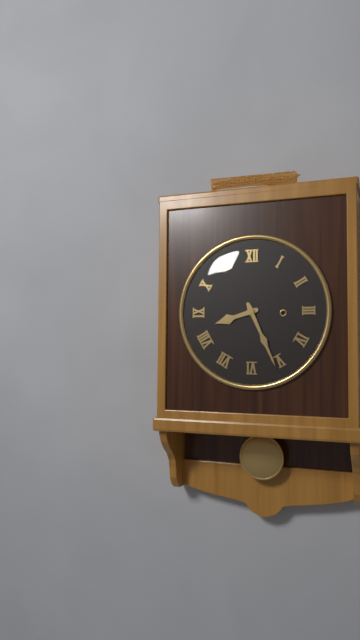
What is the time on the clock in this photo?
8:26
